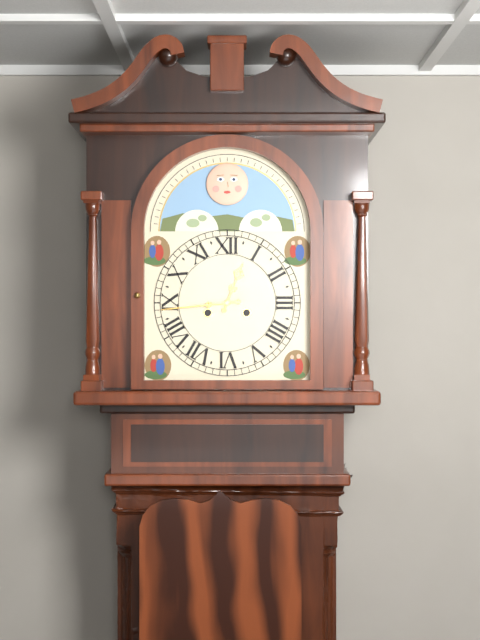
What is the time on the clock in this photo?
12:44
